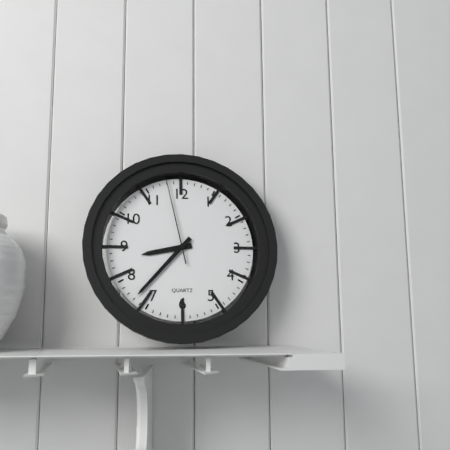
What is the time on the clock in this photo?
8:37:58
